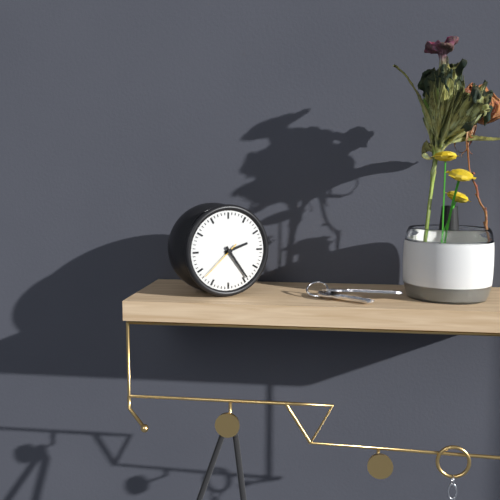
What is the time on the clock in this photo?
2:24
